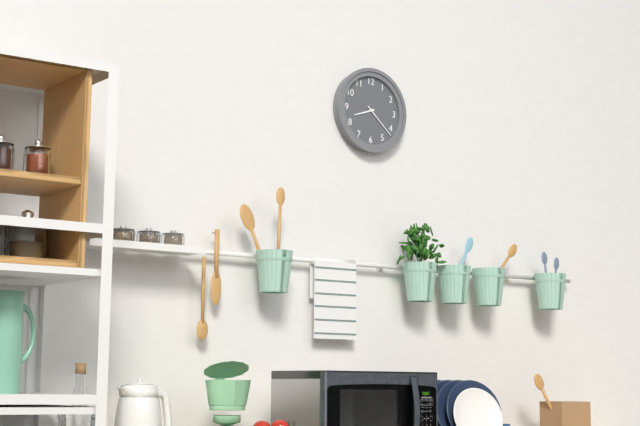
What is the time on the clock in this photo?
8:22
